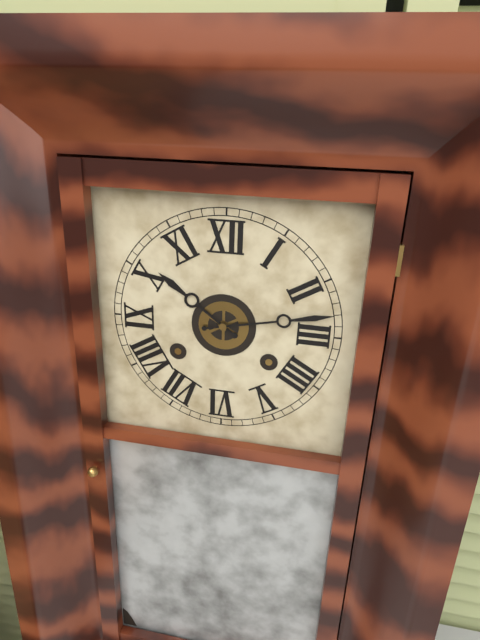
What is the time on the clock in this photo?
10:13
